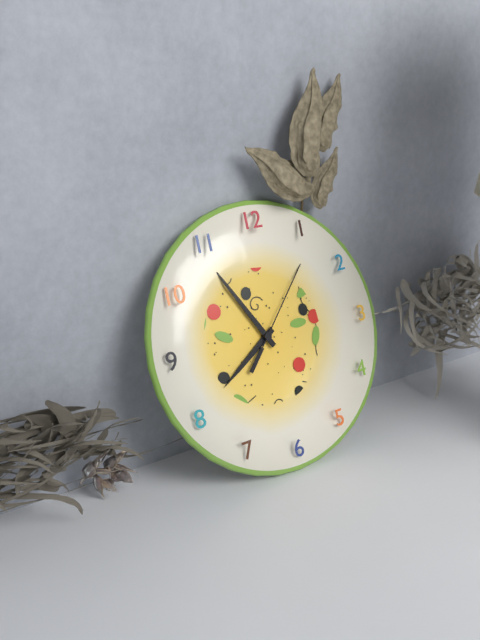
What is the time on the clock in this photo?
7:55:07
